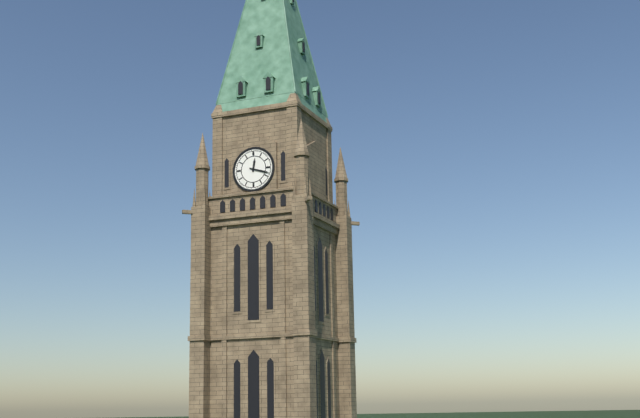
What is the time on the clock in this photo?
12:18
